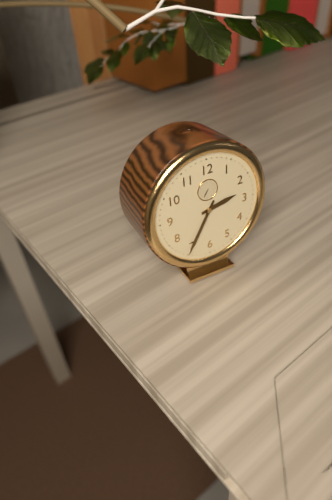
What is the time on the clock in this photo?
2:35
